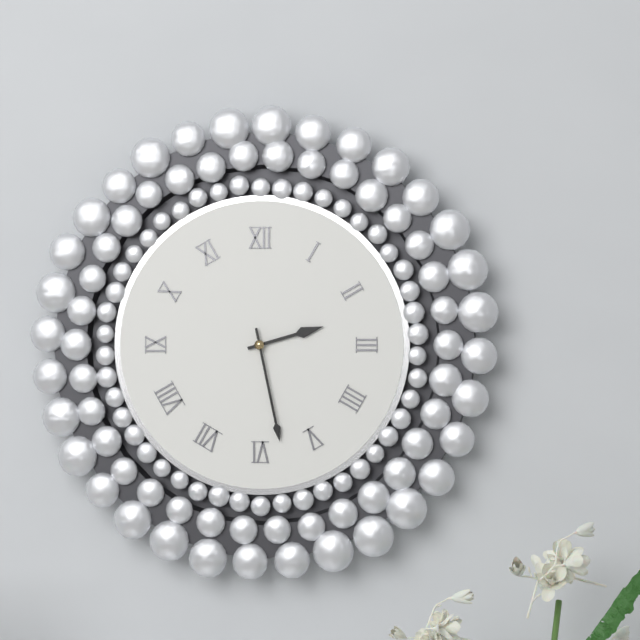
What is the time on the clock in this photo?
2:28
